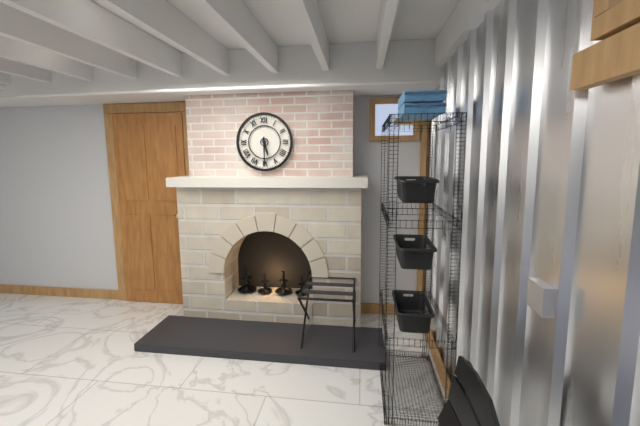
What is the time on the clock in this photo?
5:30
